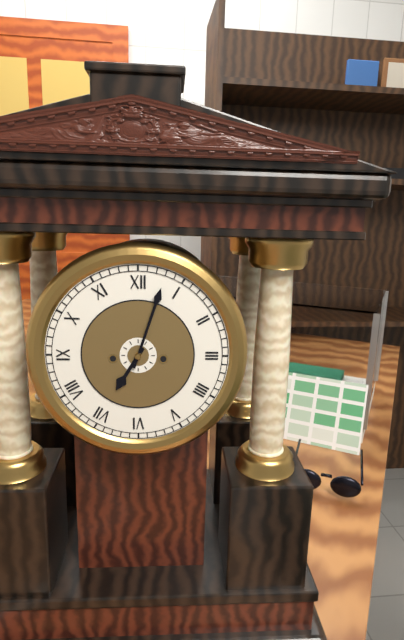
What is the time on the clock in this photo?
7:03
